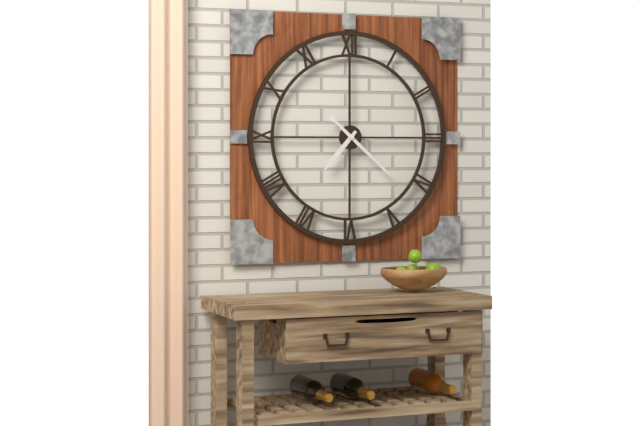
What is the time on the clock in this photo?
7:22
